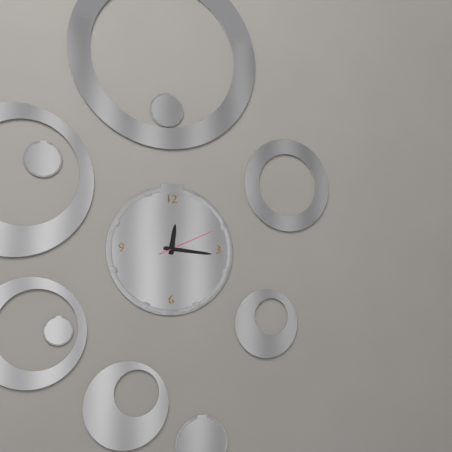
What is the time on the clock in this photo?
12:16:11
